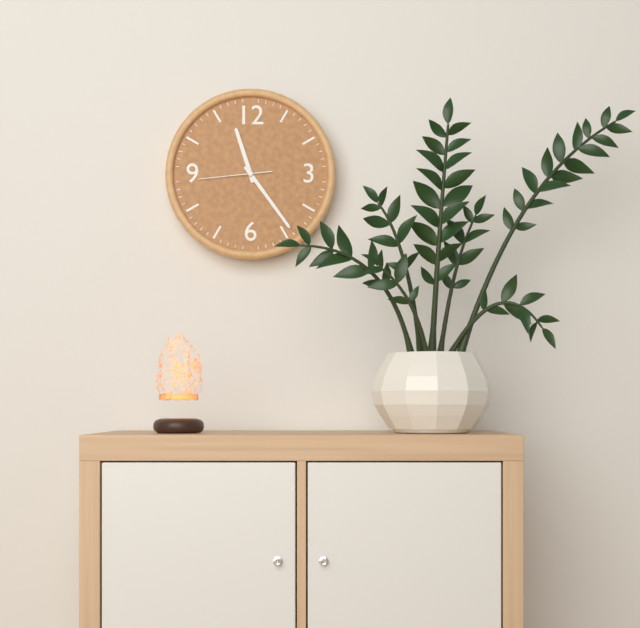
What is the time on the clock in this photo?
11:24:44
